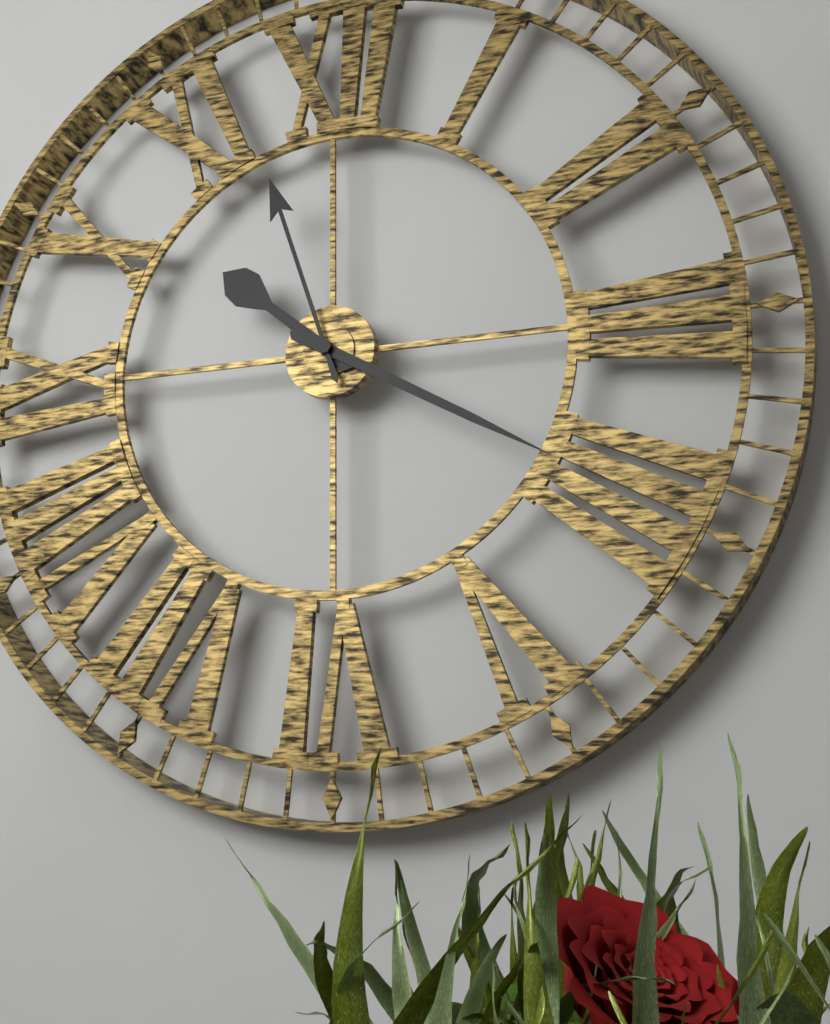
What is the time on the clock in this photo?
10:20:57
